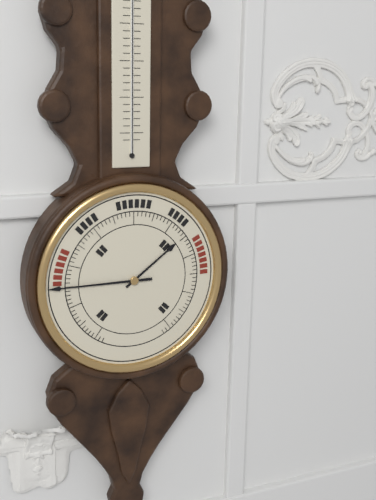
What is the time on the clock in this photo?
1:45
